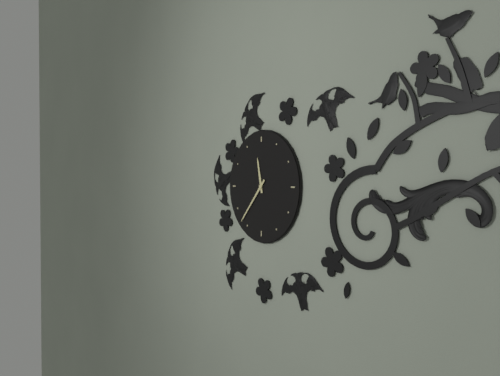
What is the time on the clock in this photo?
11:37
